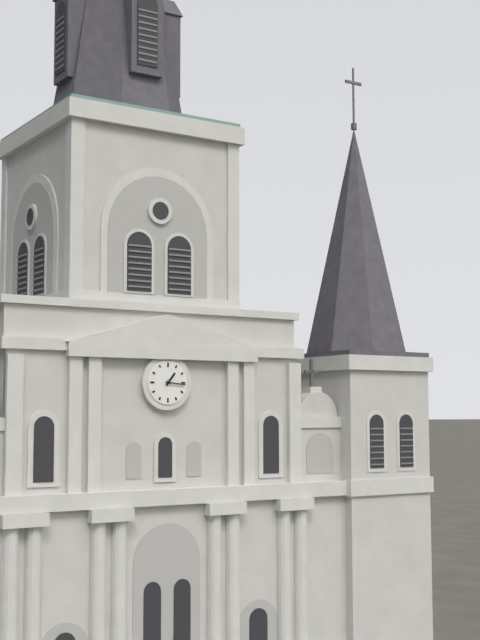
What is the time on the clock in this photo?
1:16
